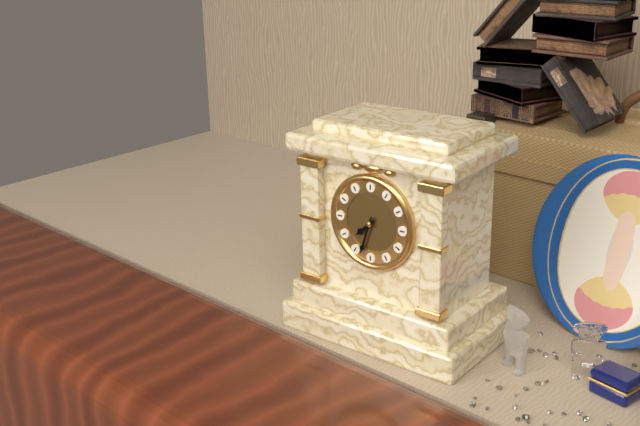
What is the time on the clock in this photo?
7:33
